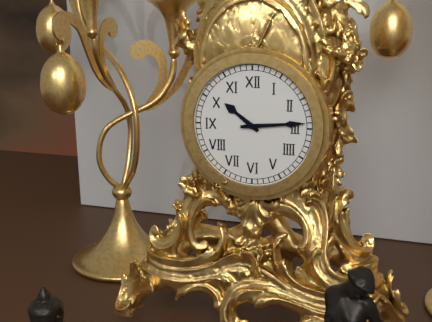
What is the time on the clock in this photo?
10:14
